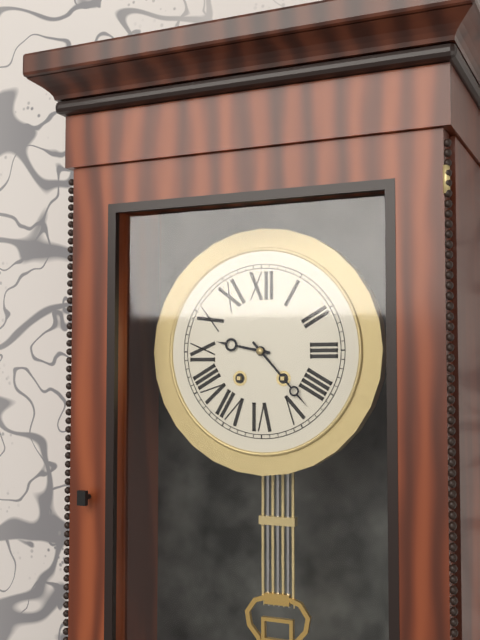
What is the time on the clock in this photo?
9:23
